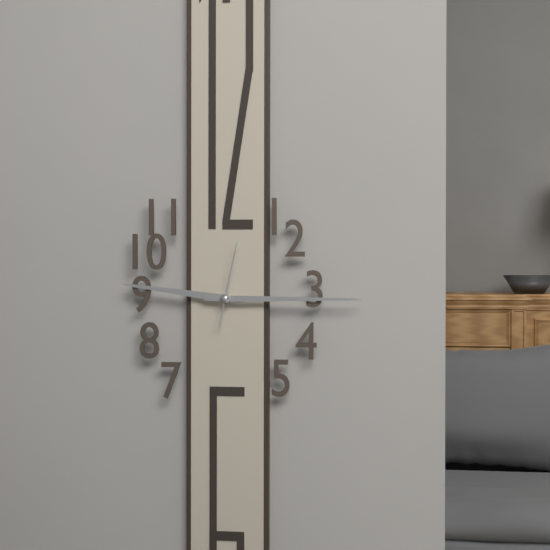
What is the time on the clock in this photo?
9:15:02
